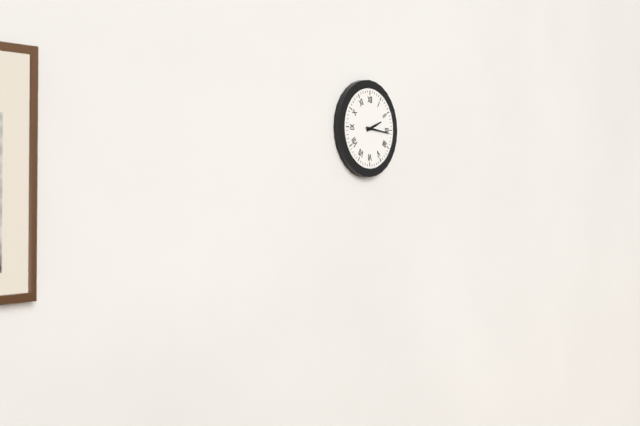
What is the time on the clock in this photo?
2:16
